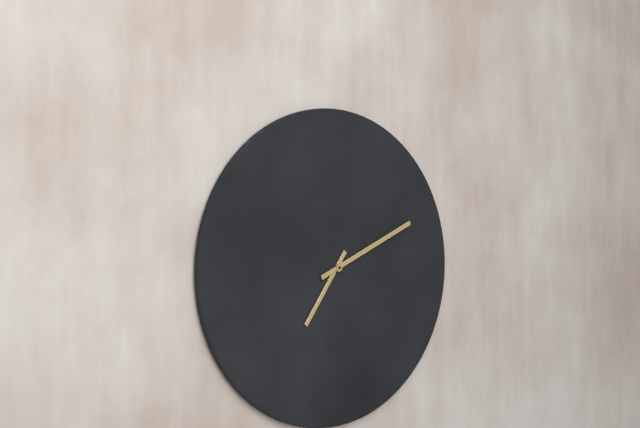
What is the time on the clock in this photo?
7:11
